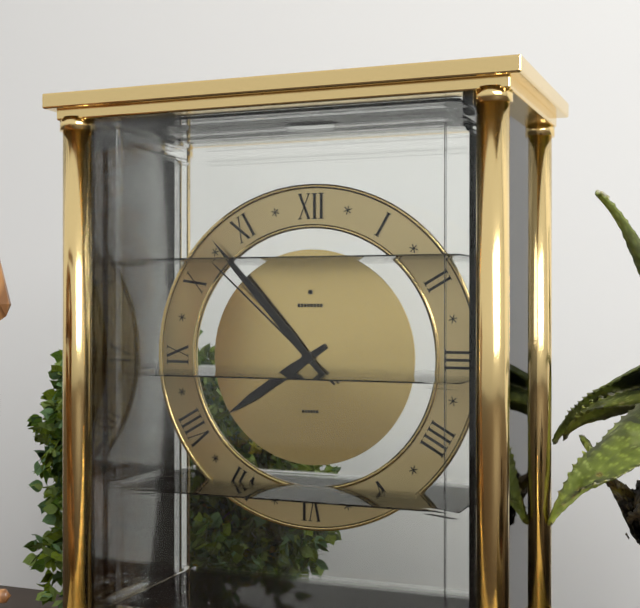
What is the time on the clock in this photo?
7:53:52
